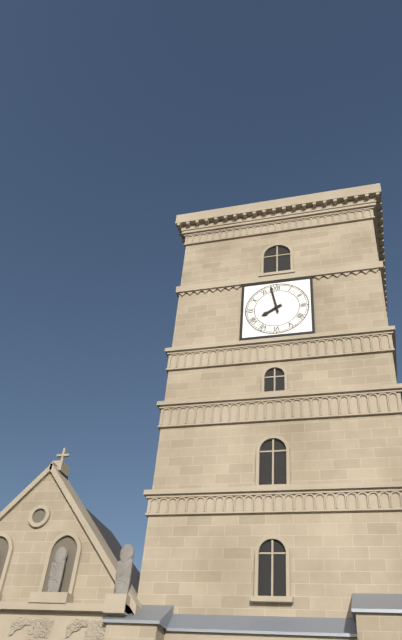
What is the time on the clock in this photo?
7:58
